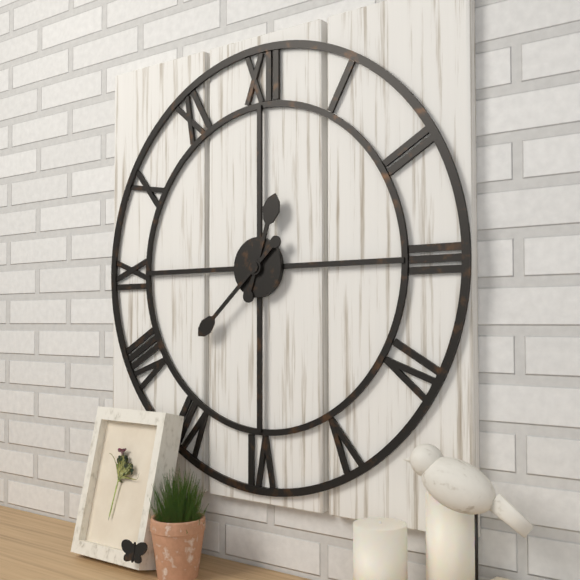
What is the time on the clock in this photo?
12:38
